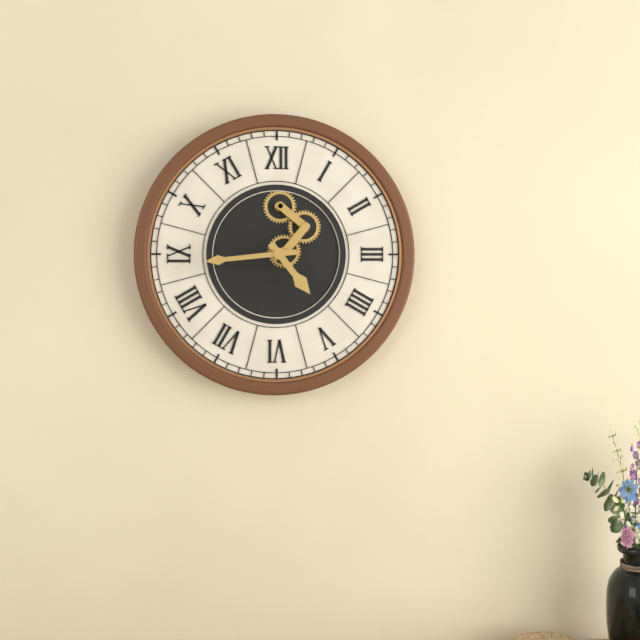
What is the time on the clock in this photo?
4:44
